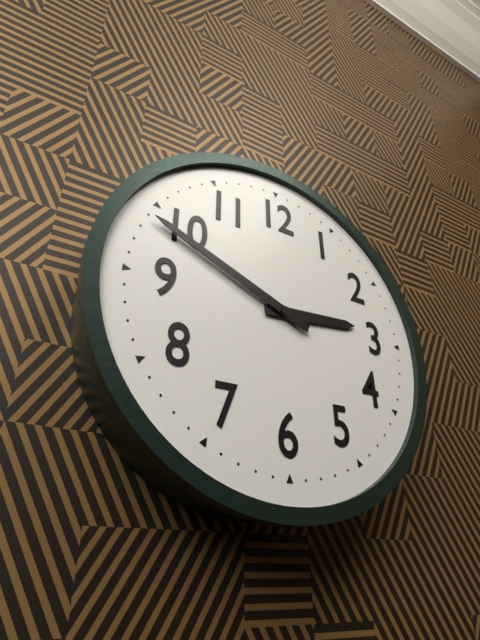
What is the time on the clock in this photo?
2:49
